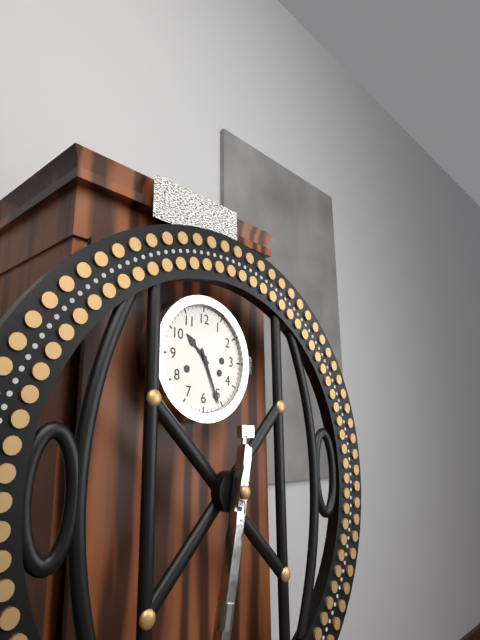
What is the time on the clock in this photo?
10:26
